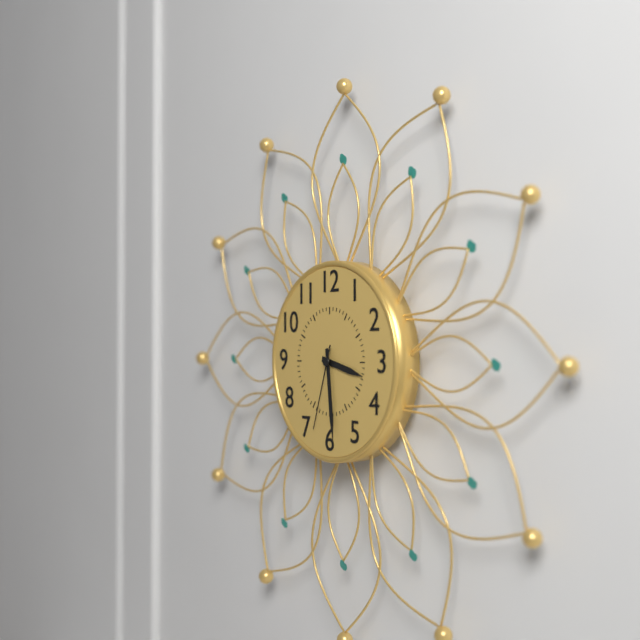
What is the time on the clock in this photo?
3:29:33
